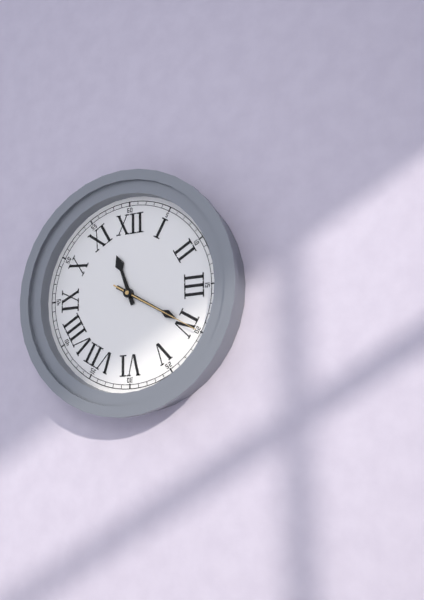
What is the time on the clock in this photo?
11:20:20
